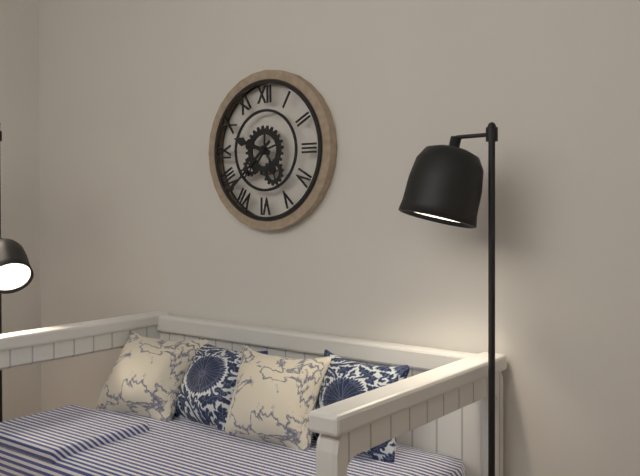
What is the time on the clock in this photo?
9:38
